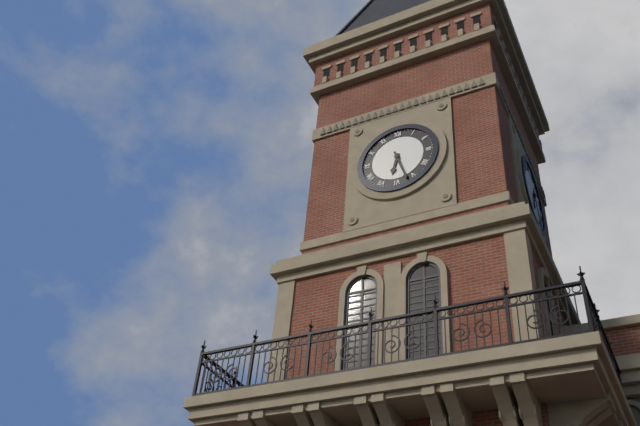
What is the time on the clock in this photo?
6:27
